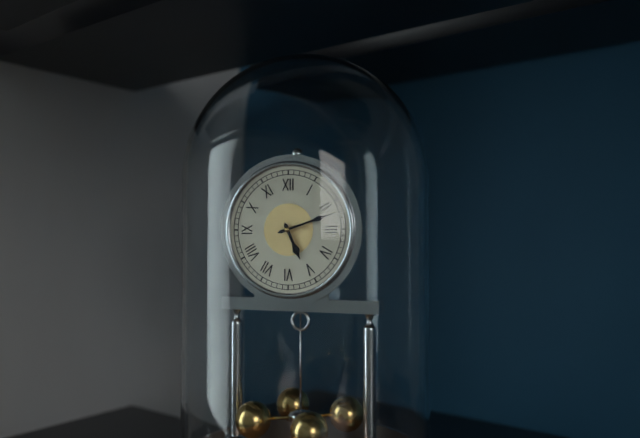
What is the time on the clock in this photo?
5:12
